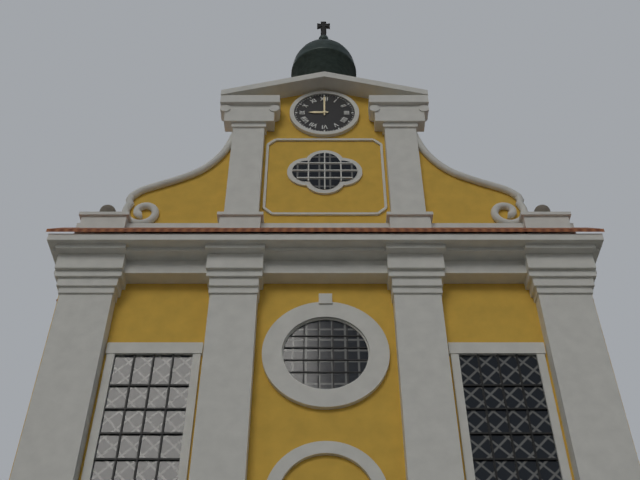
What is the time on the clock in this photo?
9:00
